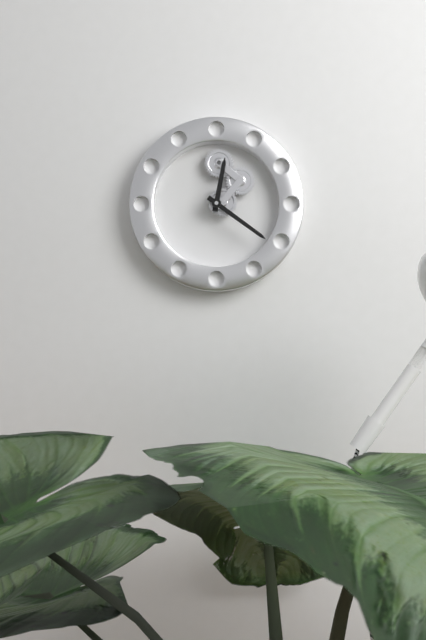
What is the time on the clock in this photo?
12:21
